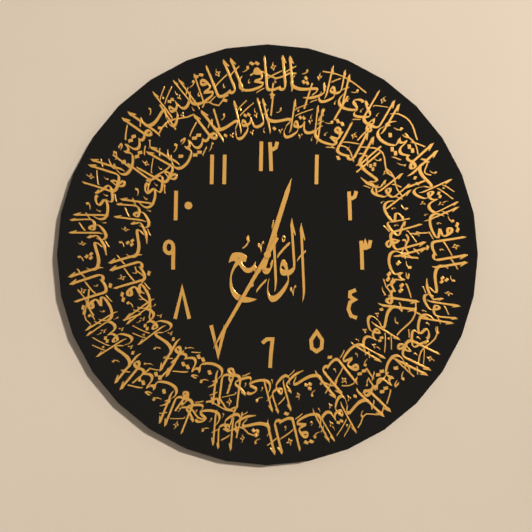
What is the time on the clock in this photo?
12:35
